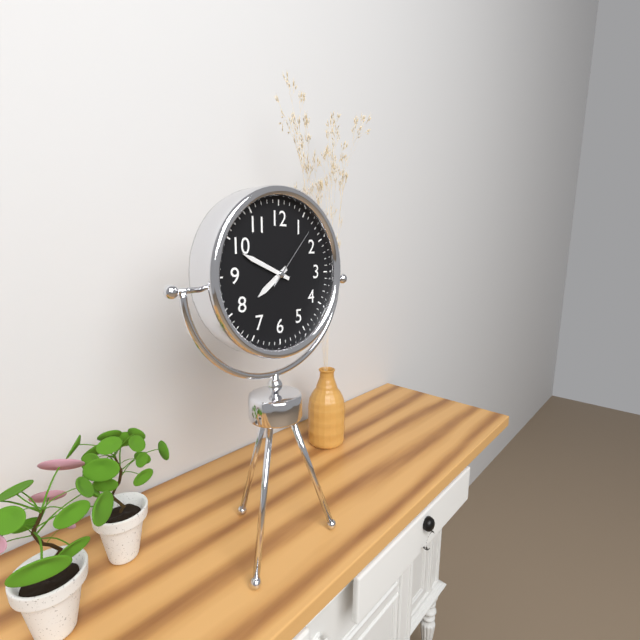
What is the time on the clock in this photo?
7:49:07
